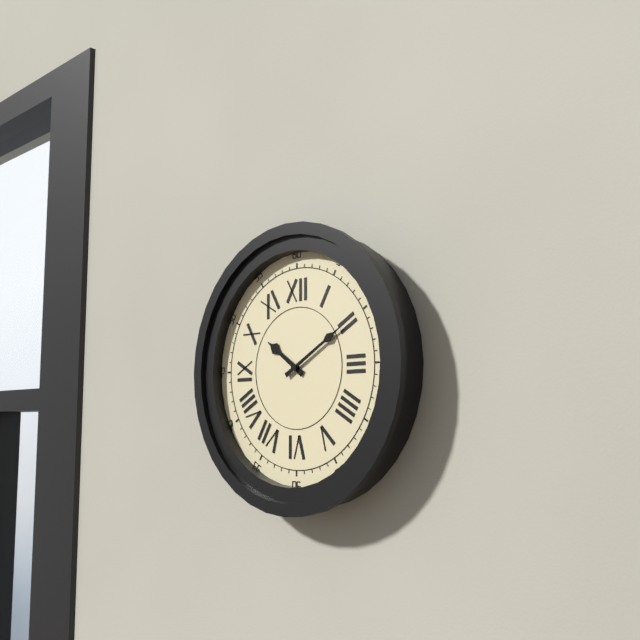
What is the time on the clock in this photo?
10:10
